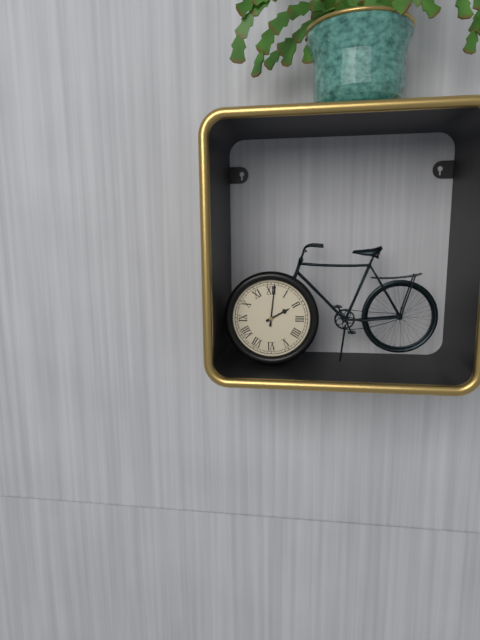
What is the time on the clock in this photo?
2:01
